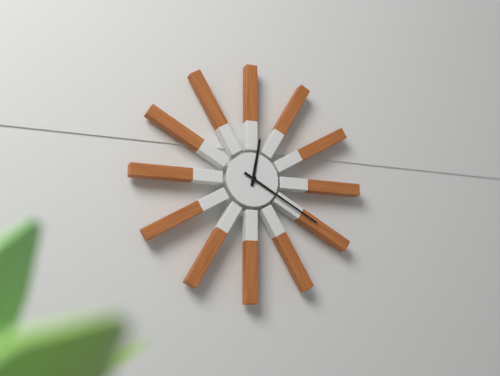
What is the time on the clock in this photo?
12:20
